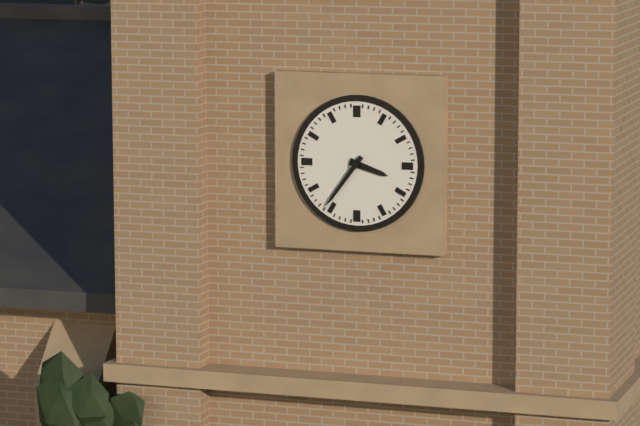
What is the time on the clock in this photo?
3:36
